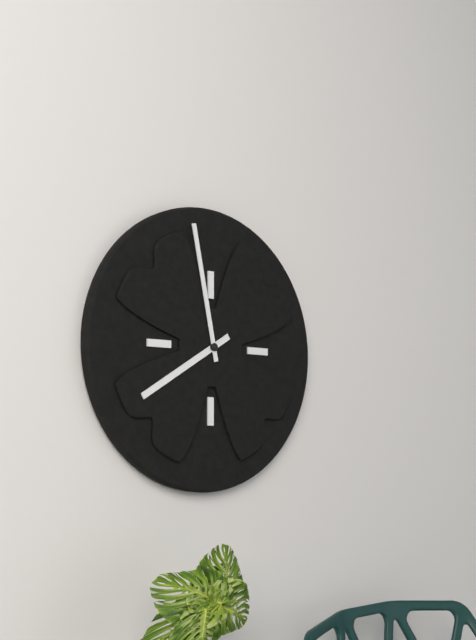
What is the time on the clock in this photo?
7:58
